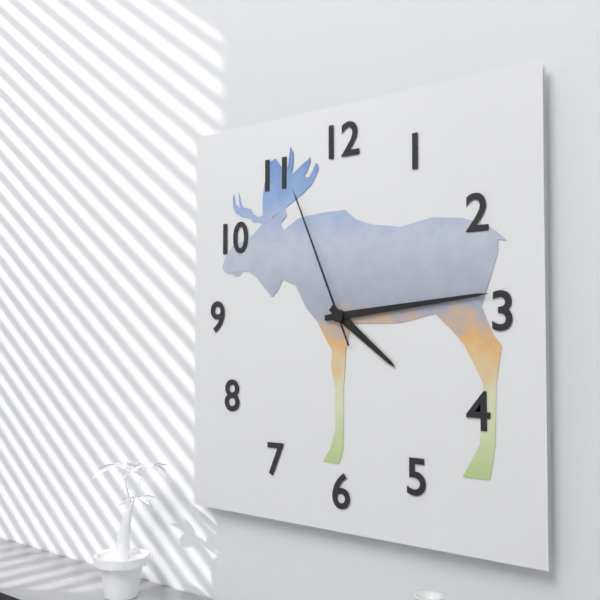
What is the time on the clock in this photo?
4:14:56
